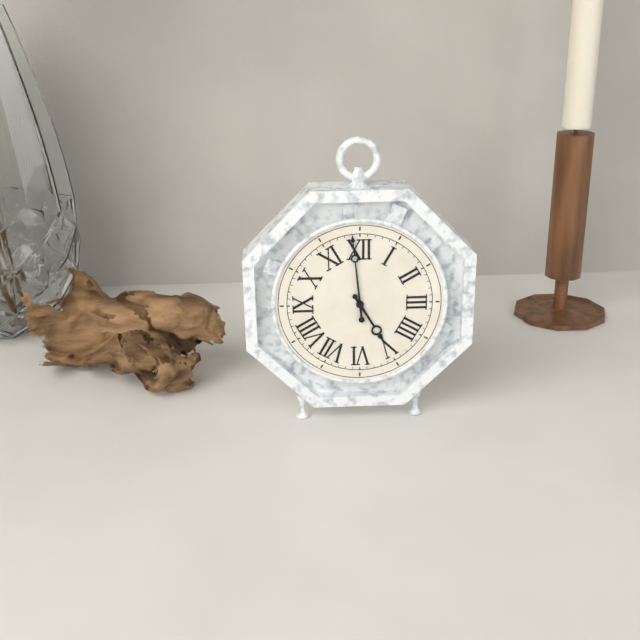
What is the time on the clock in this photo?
4:59
